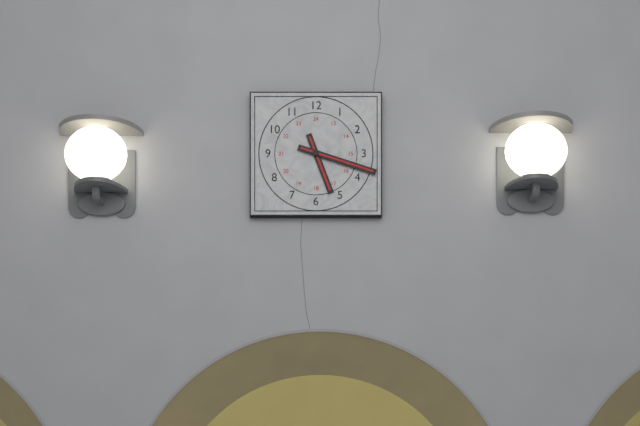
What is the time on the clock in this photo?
5:18
